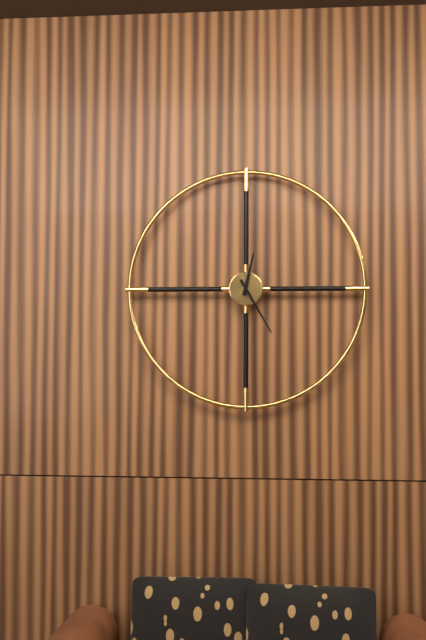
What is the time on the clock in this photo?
12:25
